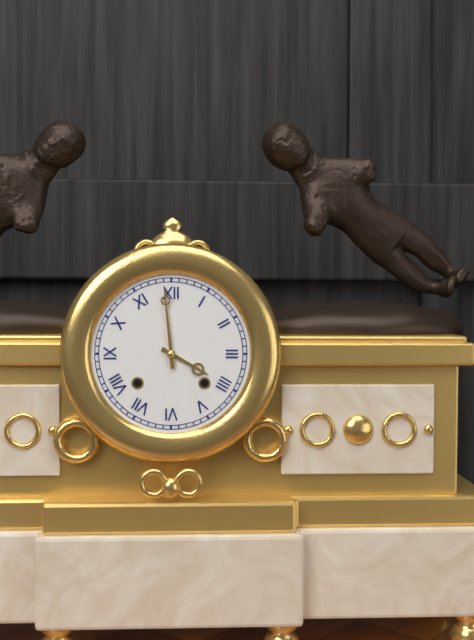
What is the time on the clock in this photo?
3:59
